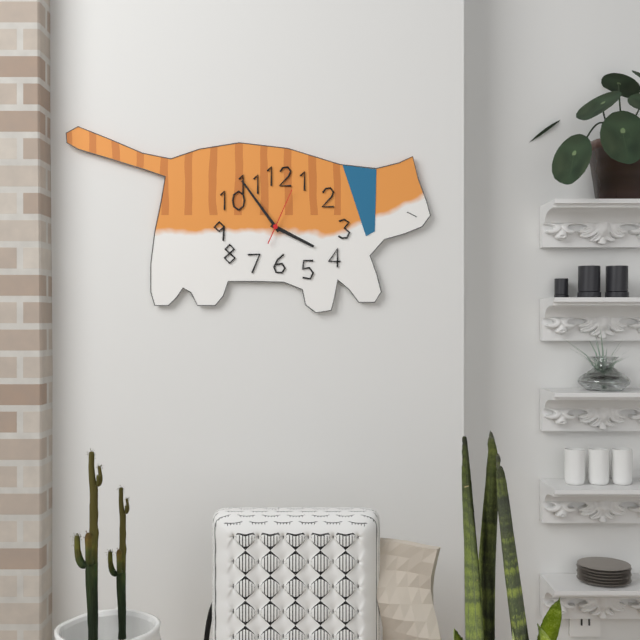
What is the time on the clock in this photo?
3:54:04
